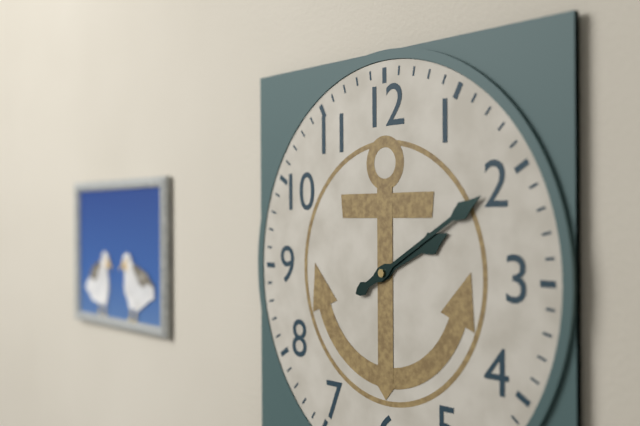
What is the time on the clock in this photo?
2:10
